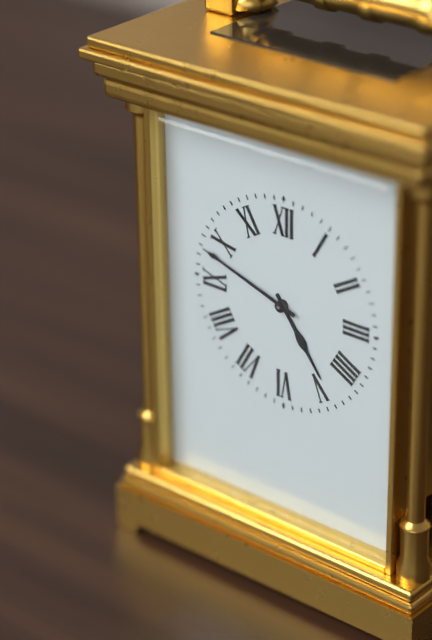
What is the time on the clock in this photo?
4:48
